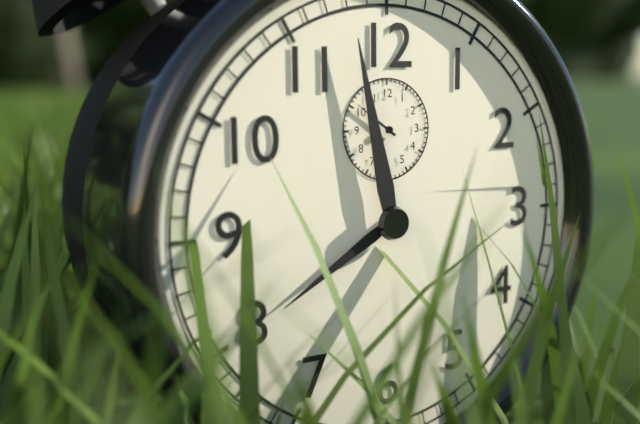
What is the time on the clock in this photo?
7:58
